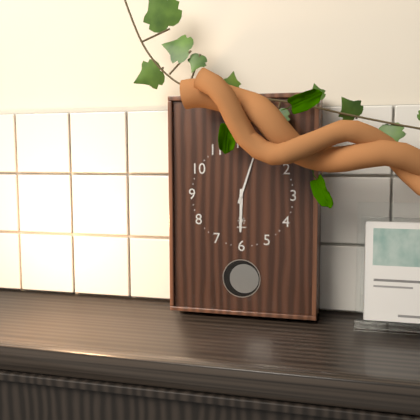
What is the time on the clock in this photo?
6:03
